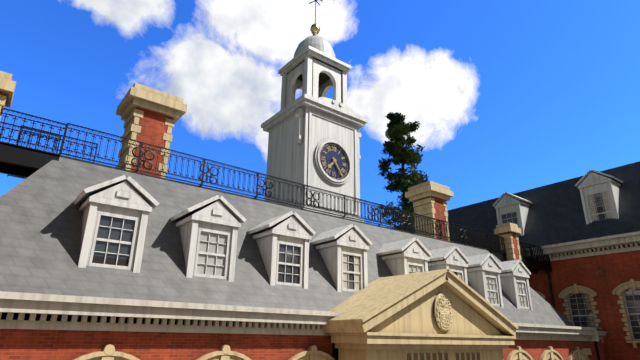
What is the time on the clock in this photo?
7:24
